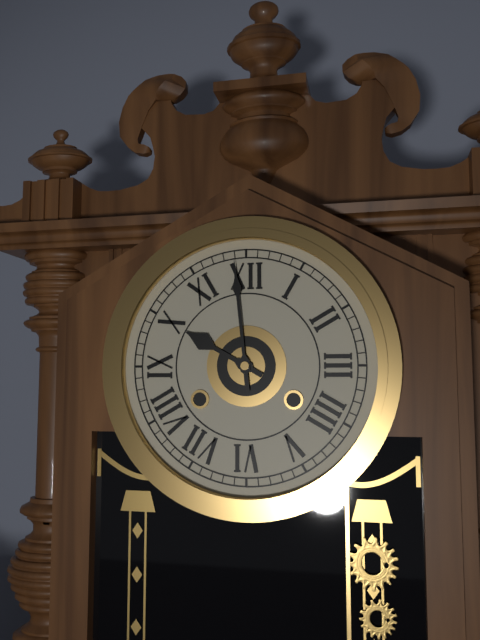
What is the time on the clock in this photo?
9:59
